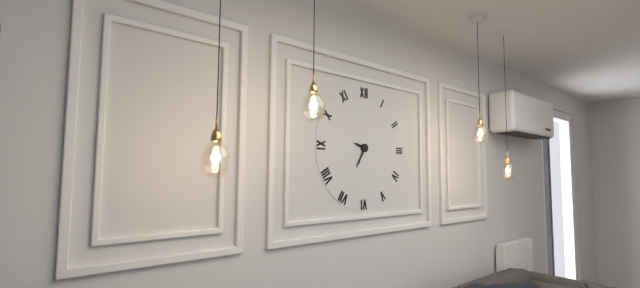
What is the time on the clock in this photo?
9:35
